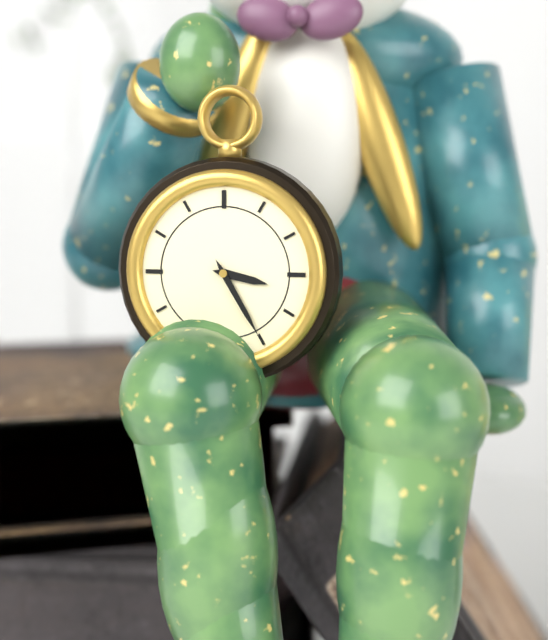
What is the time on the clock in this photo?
3:25
